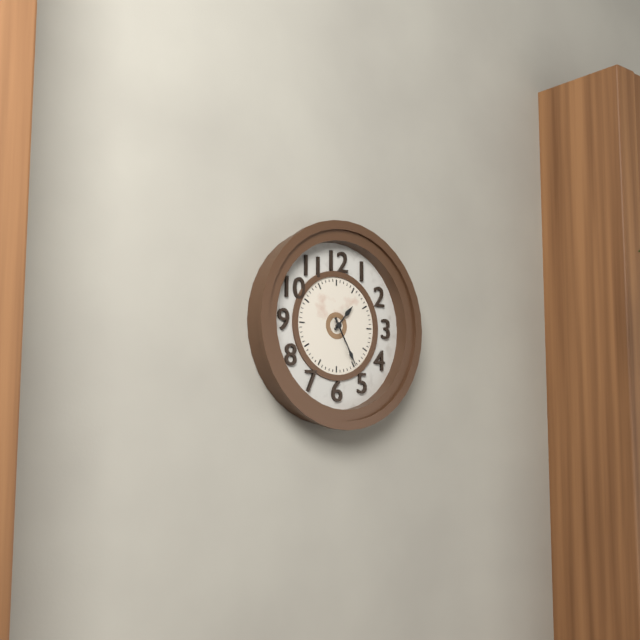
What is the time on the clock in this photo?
1:25
